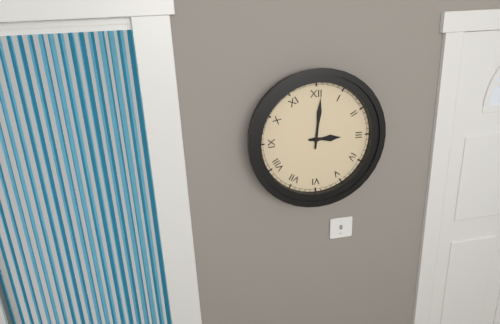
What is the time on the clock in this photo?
3:01
